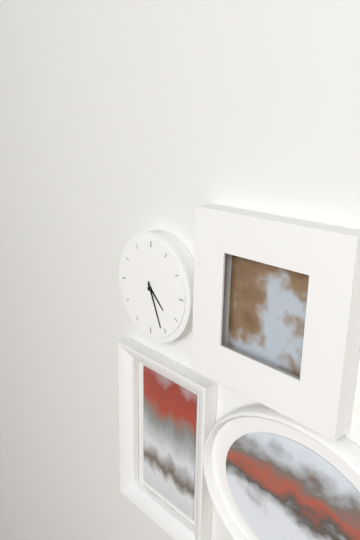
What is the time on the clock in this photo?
4:26
